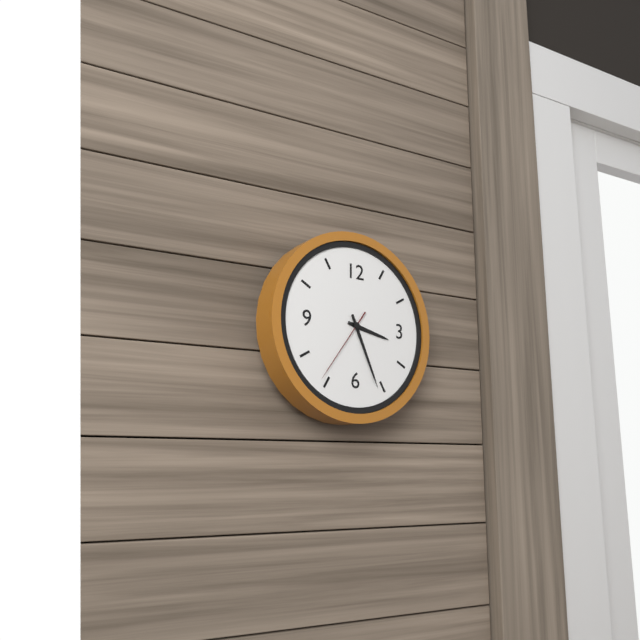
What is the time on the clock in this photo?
3:26:36
